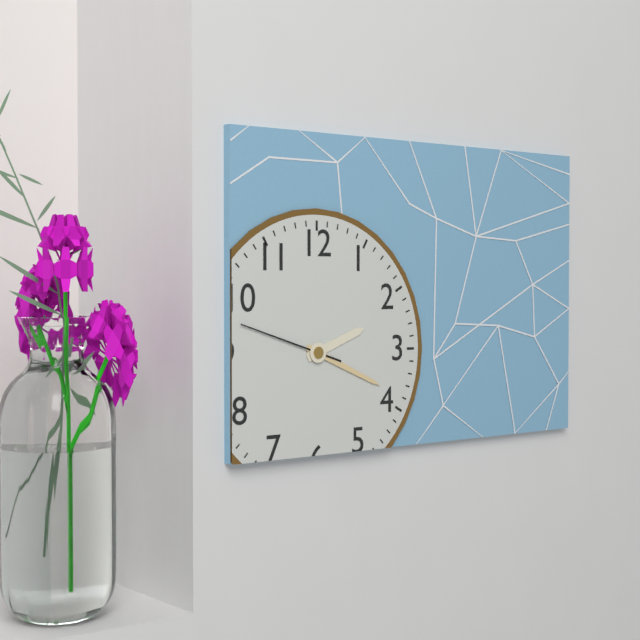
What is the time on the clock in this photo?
2:19:48
